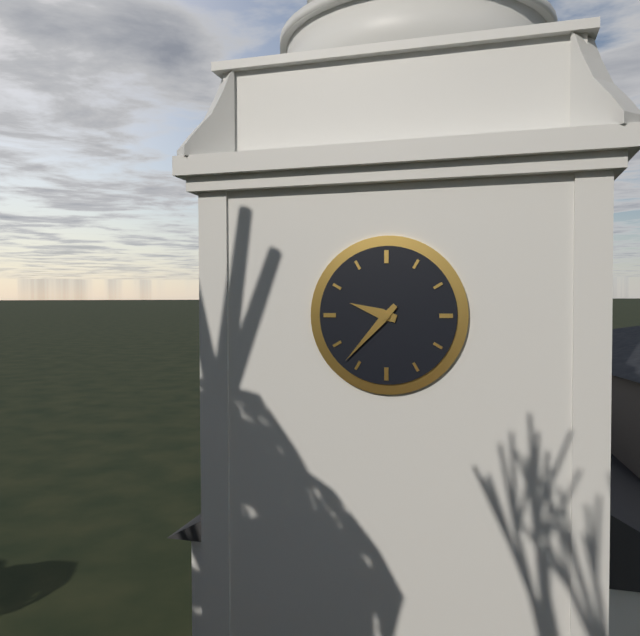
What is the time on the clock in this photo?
9:37
